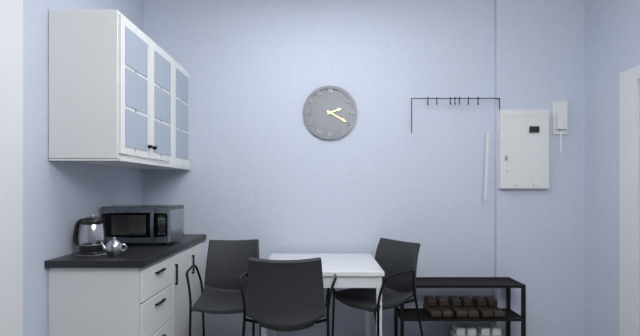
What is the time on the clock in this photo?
2:20
